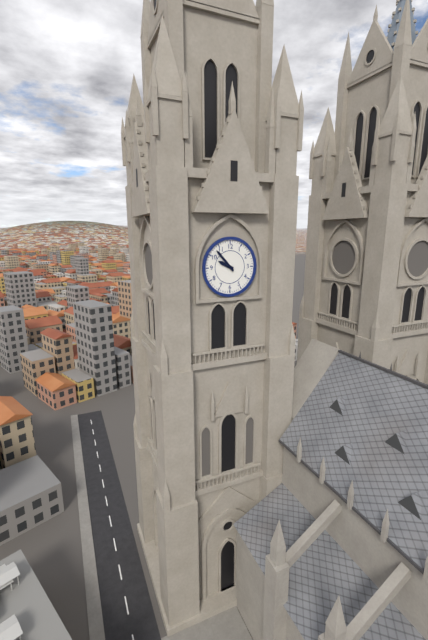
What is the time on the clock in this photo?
9:53
